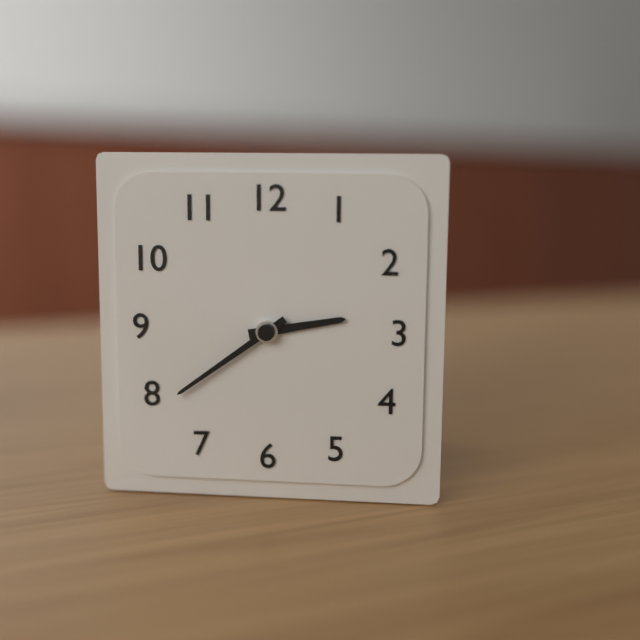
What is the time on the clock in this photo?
2:39
